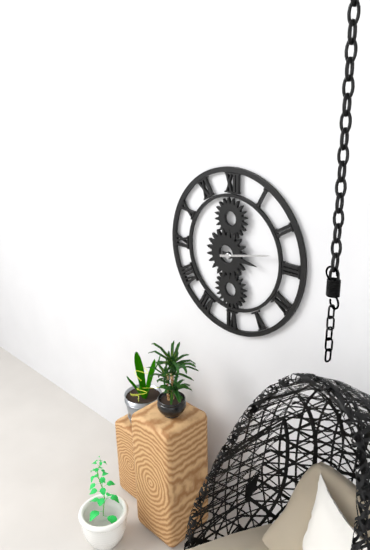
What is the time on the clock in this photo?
3:13
